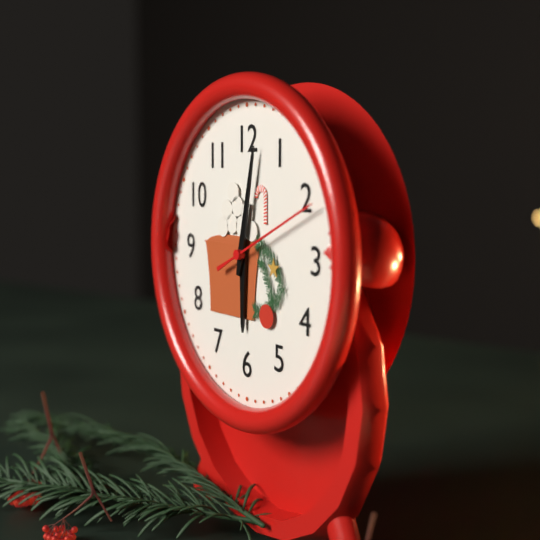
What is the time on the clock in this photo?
6:02:11
